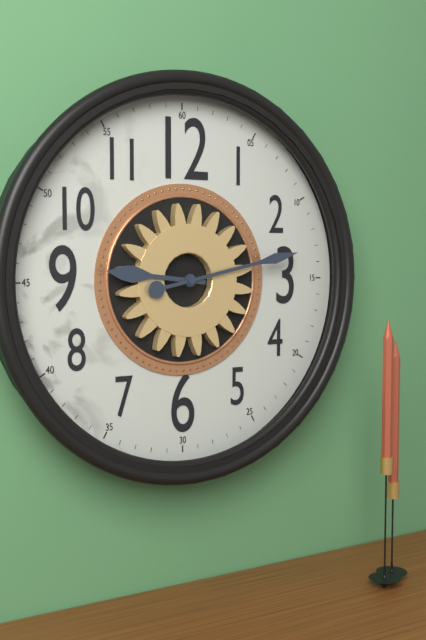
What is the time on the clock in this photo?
9:13
